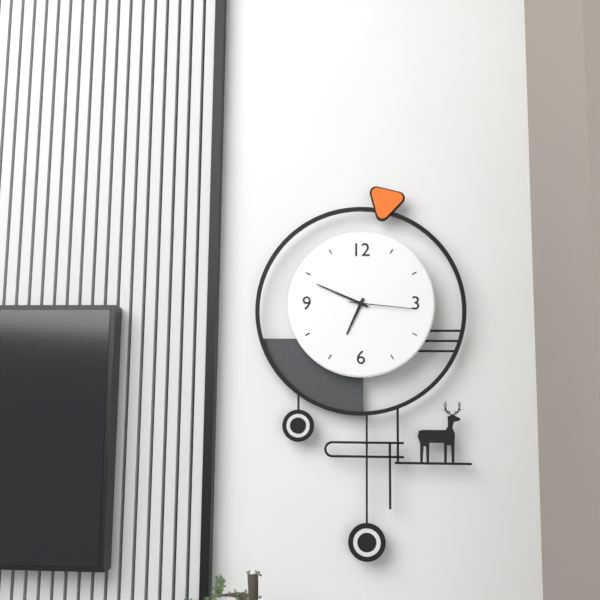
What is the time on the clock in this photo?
6:49:16
